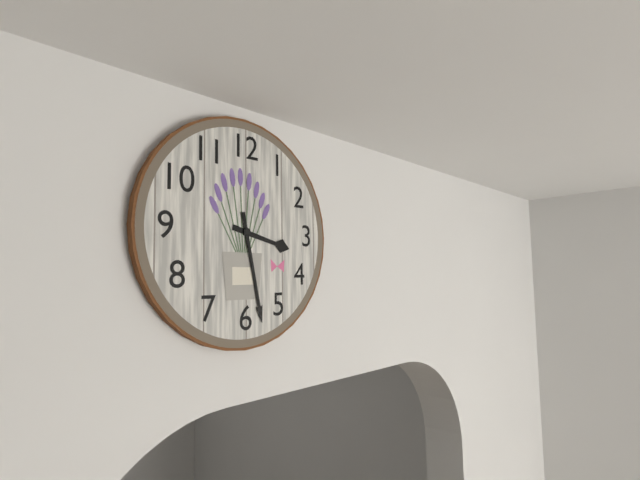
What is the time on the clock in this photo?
3:28
